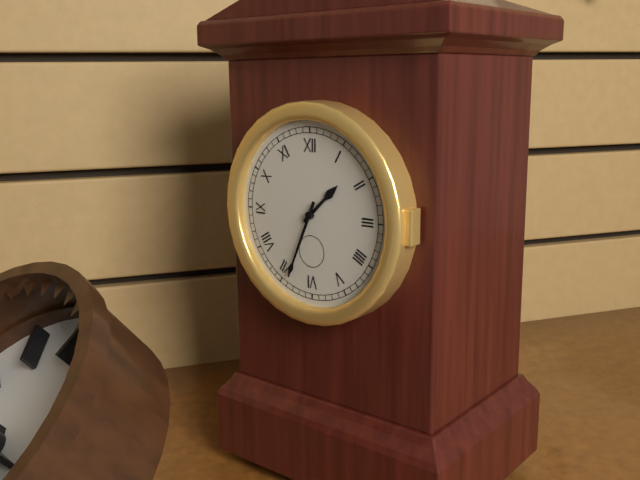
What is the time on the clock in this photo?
1:34
